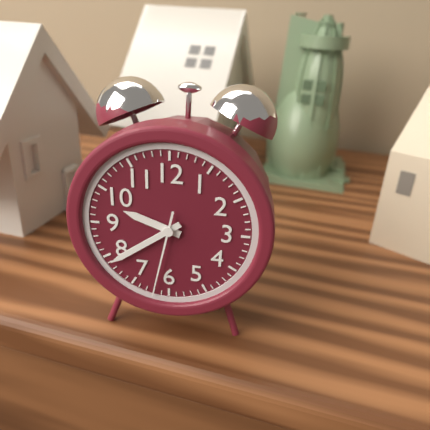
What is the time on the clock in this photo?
9:39:32
